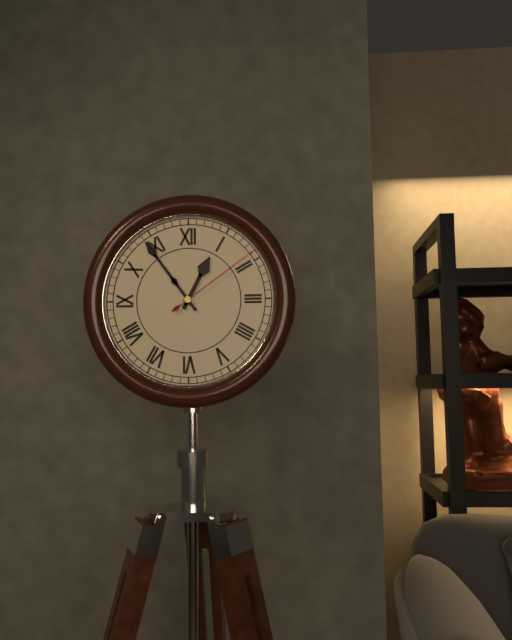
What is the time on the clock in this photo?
12:54:09
